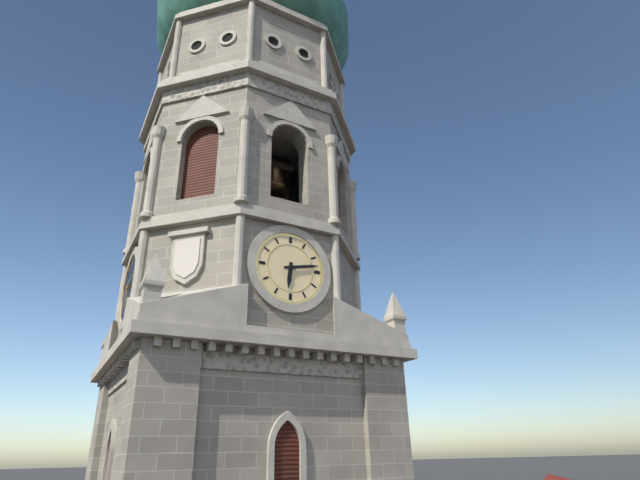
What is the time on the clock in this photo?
6:13
